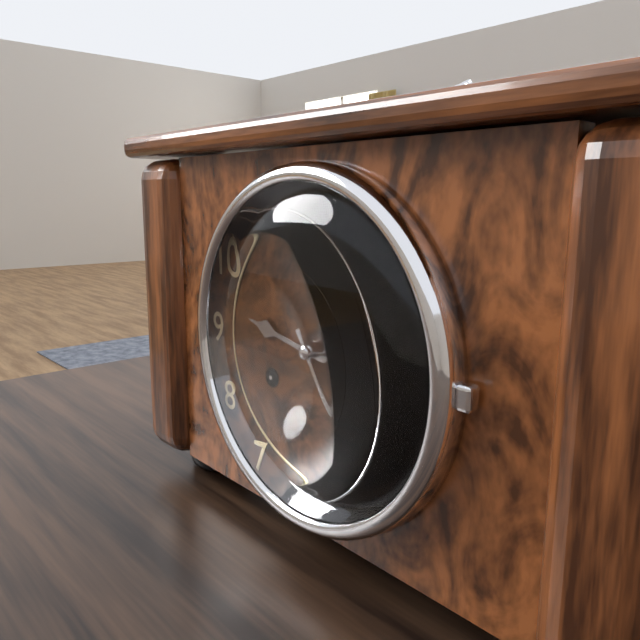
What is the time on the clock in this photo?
9:25
